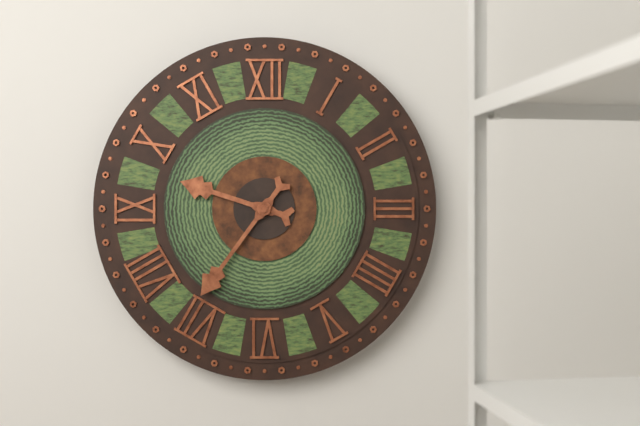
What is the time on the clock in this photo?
9:36
